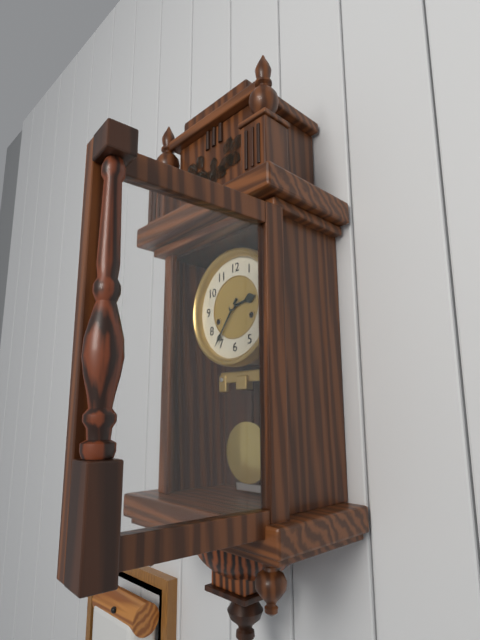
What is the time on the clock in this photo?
2:36
